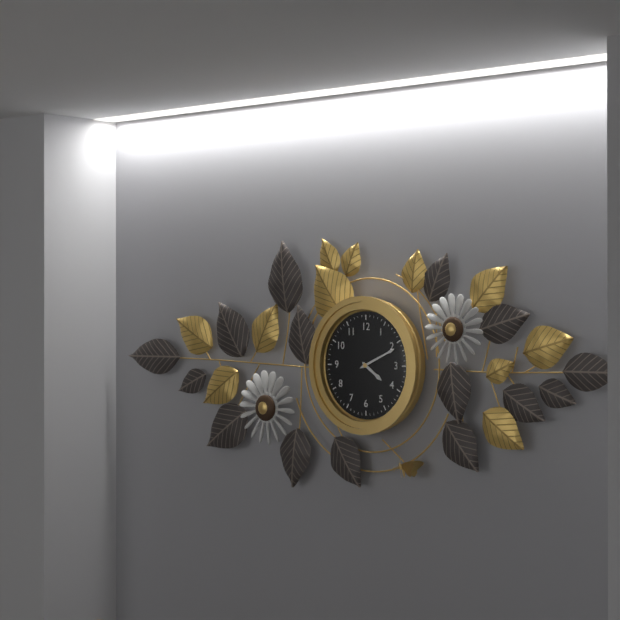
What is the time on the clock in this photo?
4:11
